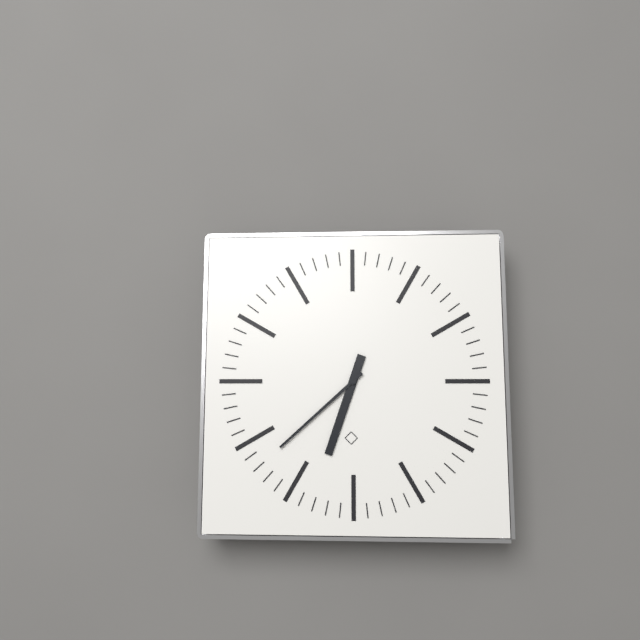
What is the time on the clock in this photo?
6:38
